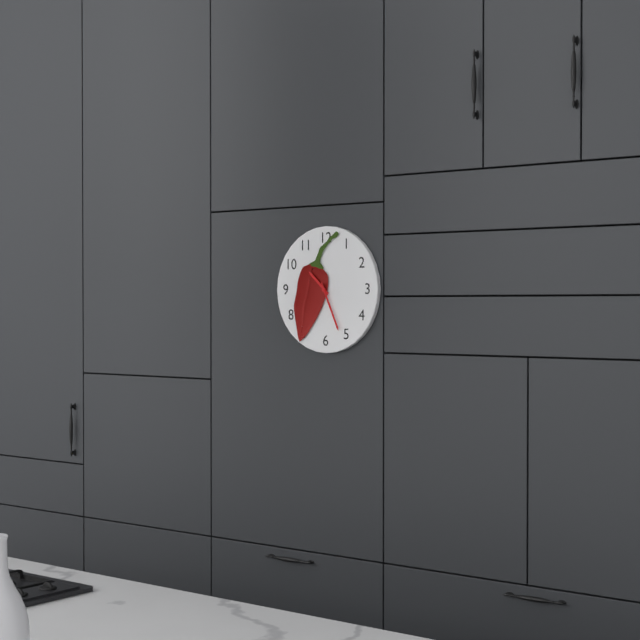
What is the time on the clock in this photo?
10:26
